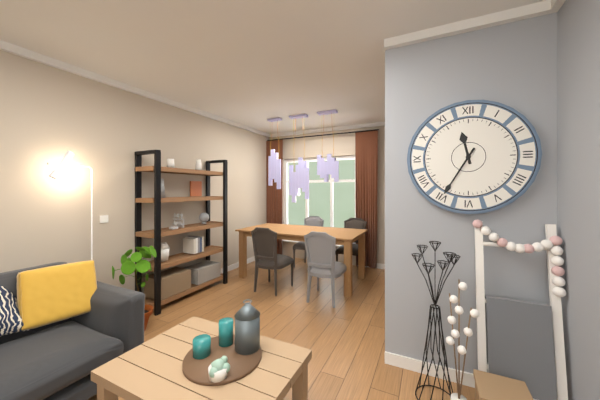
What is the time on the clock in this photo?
11:35
